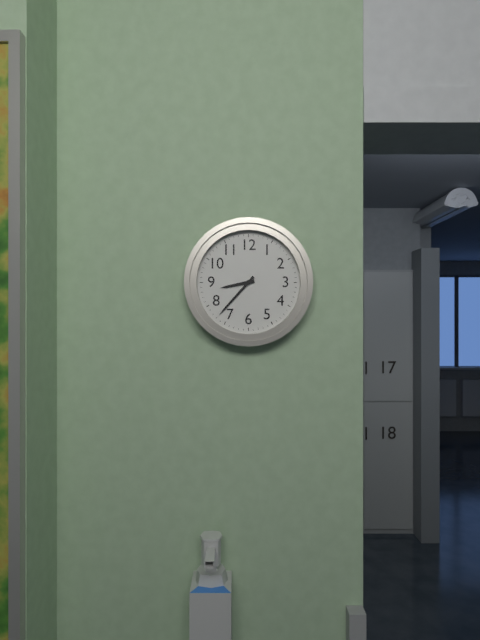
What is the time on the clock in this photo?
8:37
